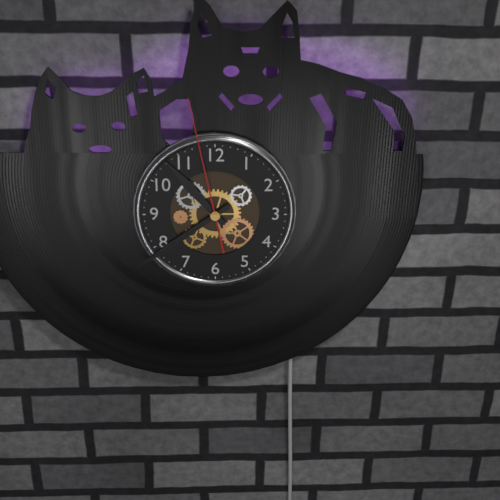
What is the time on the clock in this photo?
10:39:58
